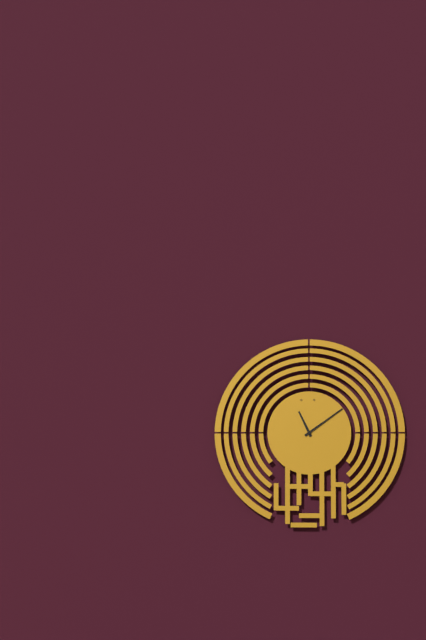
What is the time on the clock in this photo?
11:09
